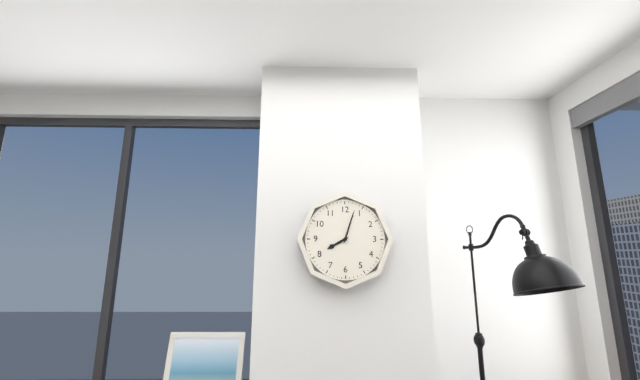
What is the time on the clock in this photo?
8:03
